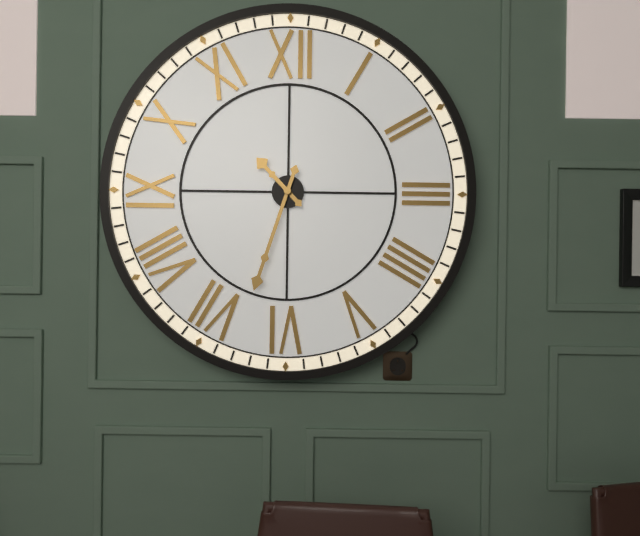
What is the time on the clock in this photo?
10:33
